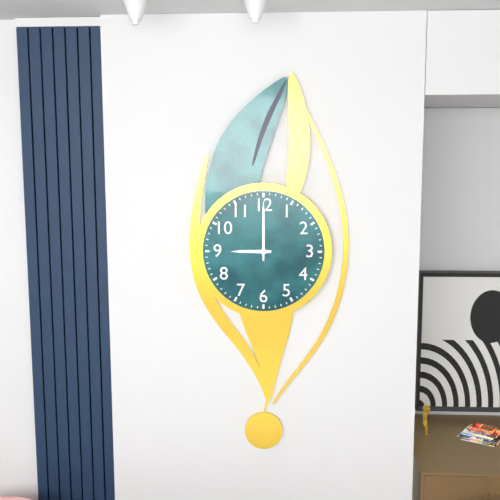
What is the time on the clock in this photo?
9:00
